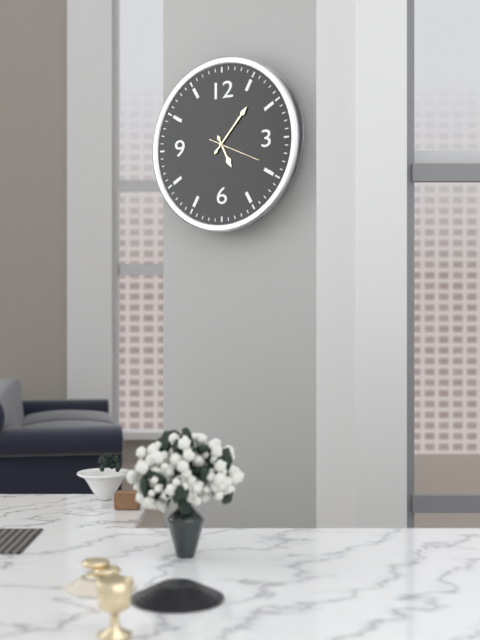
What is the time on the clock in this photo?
5:07:19
